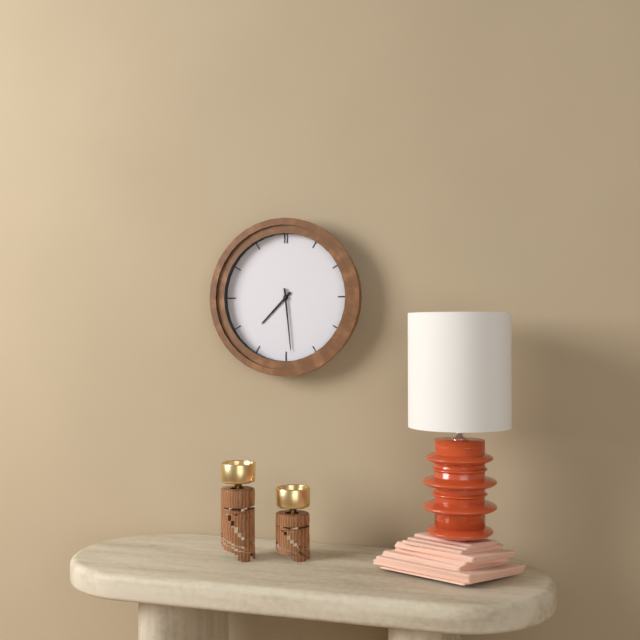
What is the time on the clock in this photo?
7:29
